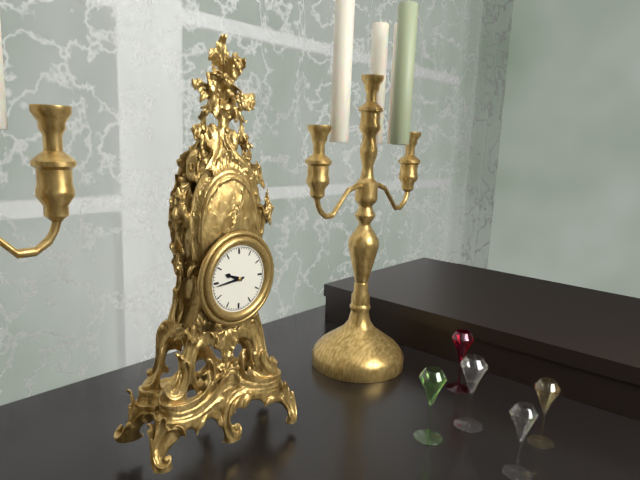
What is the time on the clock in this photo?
9:44
